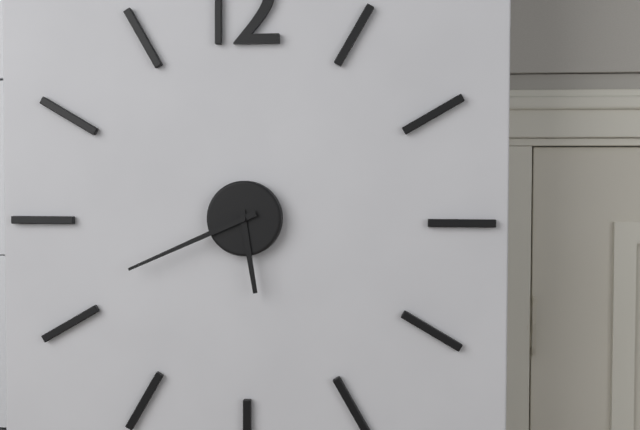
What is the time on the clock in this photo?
5:41
